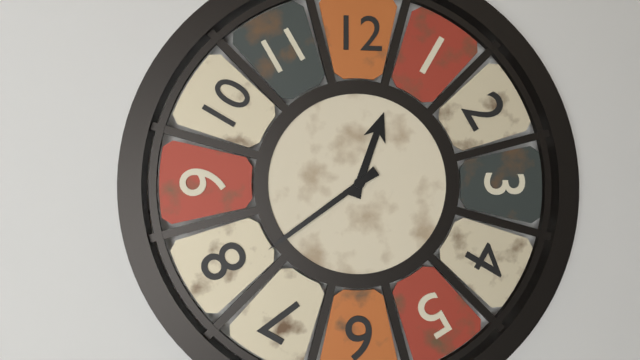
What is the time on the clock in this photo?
12:39
